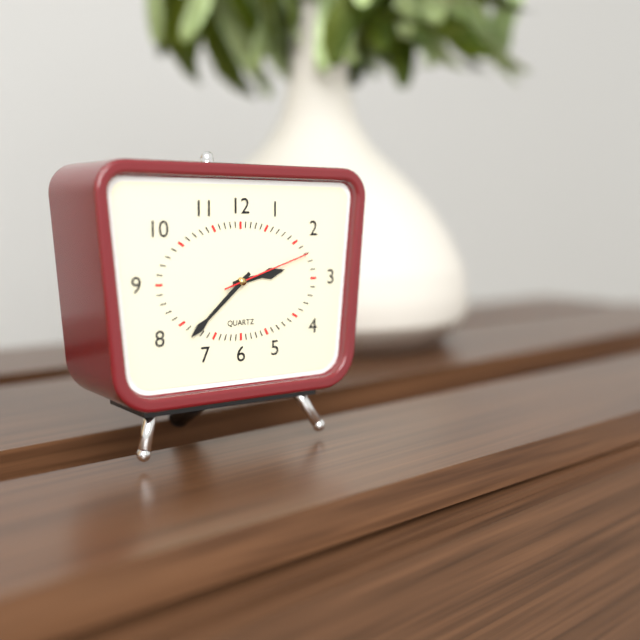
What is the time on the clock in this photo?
2:38:12
